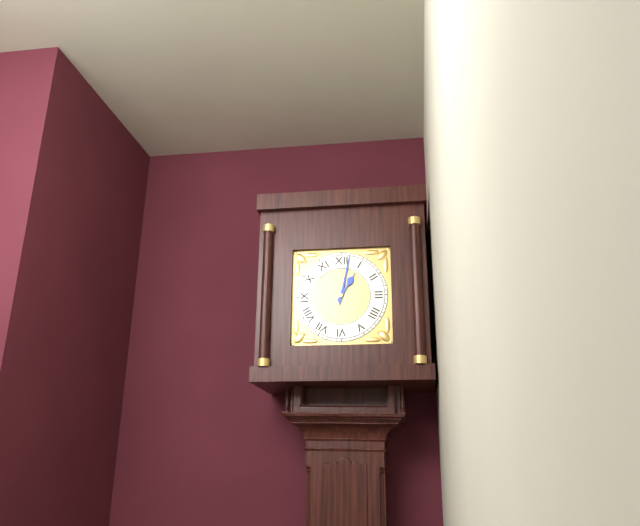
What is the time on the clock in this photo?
1:02
